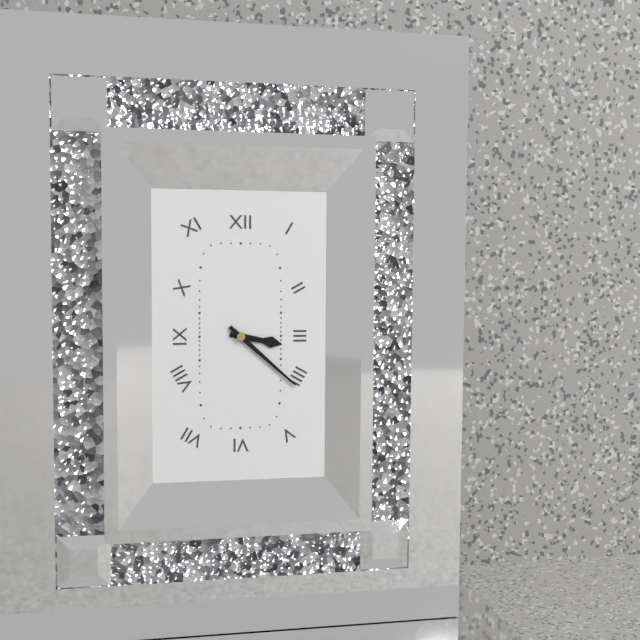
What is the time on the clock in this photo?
3:22
